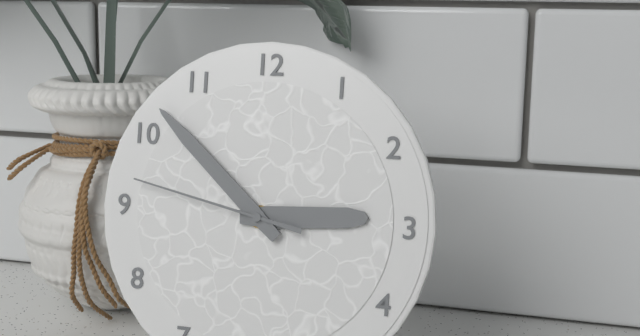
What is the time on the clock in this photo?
2:52:47
